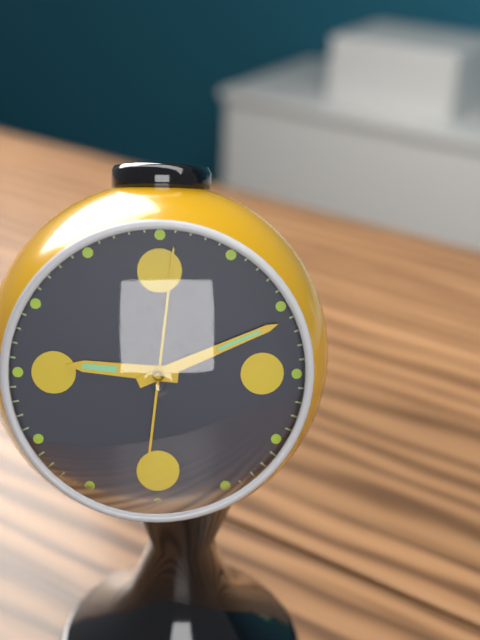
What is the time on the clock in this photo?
9:11:01
